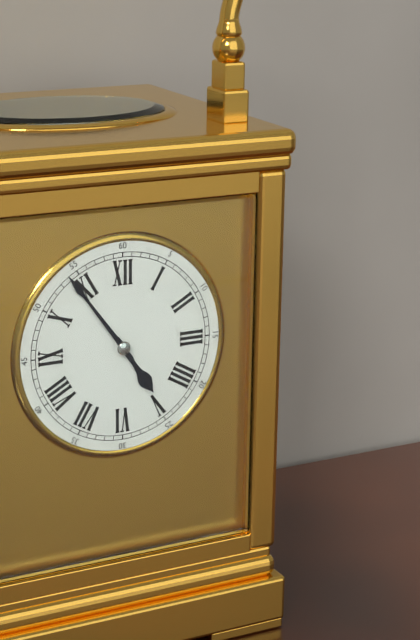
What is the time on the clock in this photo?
4:54
